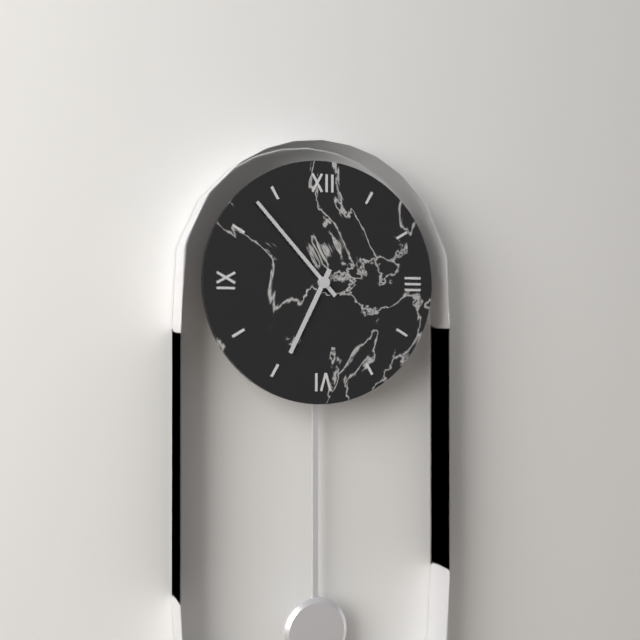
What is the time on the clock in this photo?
6:53
